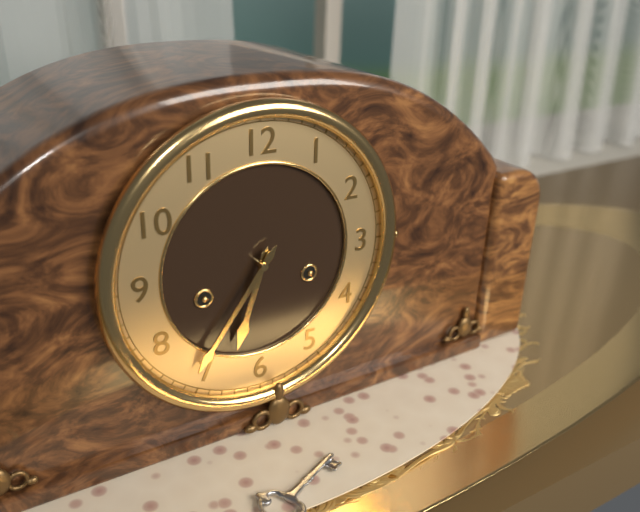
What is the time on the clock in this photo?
6:36
